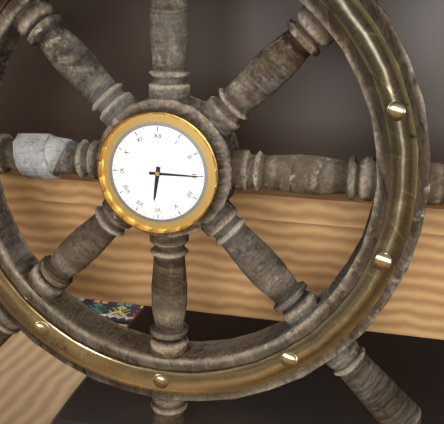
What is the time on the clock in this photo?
6:15
